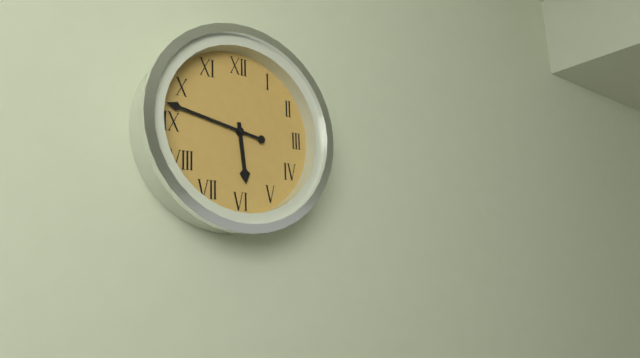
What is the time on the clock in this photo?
5:47
